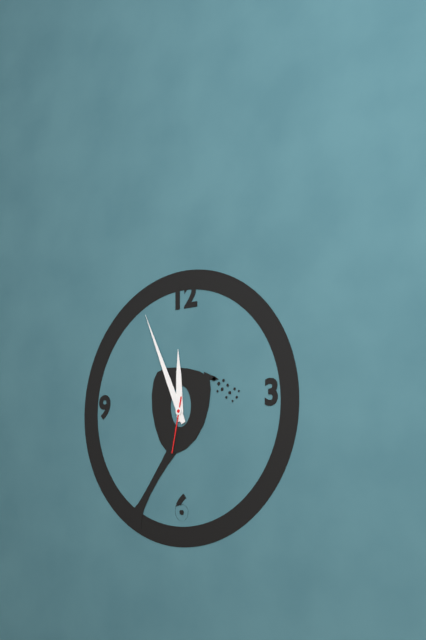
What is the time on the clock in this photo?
11:56:32
